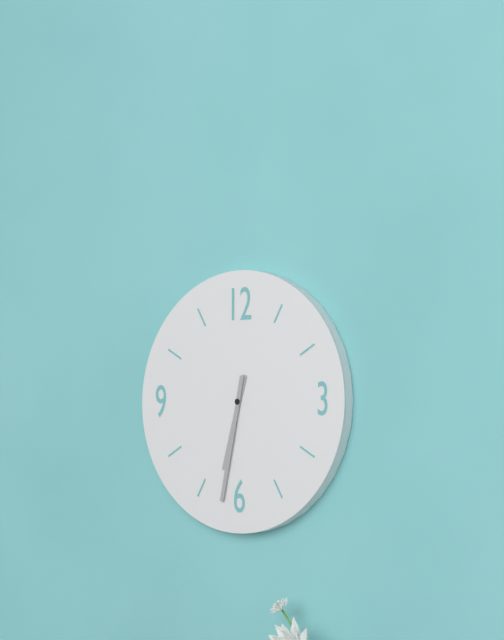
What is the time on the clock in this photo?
6:32
